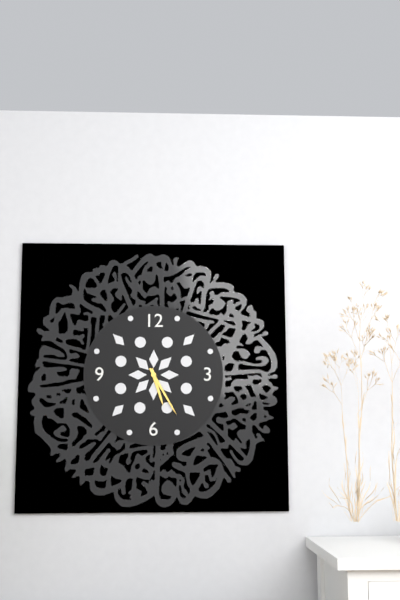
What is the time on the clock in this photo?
5:25
